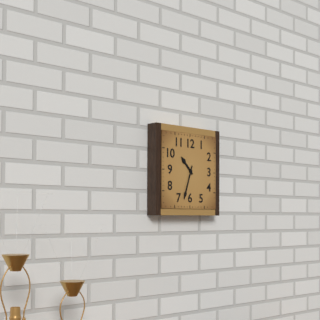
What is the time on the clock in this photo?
10:33
